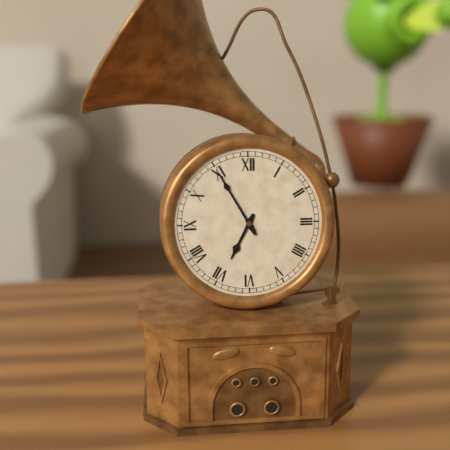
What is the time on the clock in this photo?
6:55
